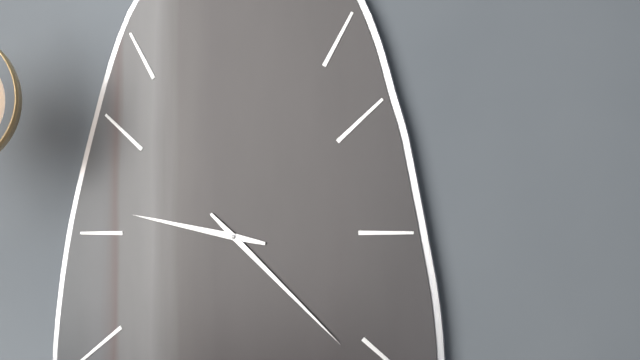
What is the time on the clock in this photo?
9:22
